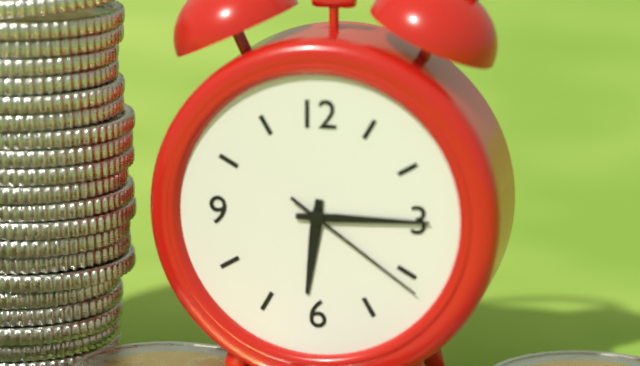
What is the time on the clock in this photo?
6:15:21
